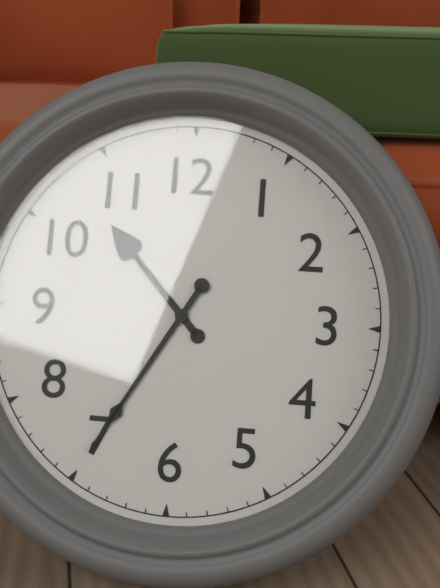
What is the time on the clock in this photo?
10:35
